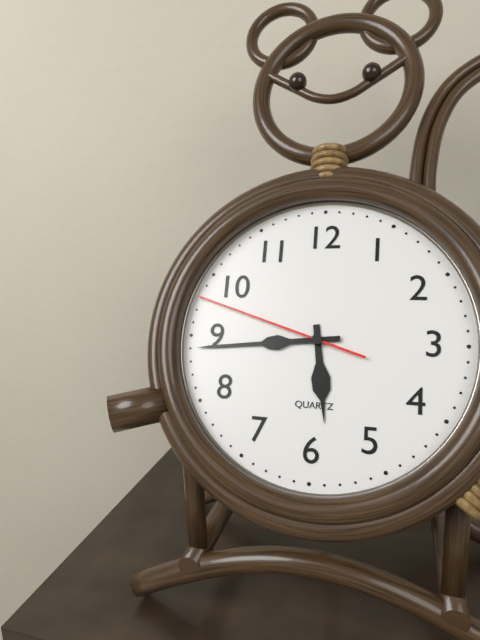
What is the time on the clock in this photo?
5:44:48
